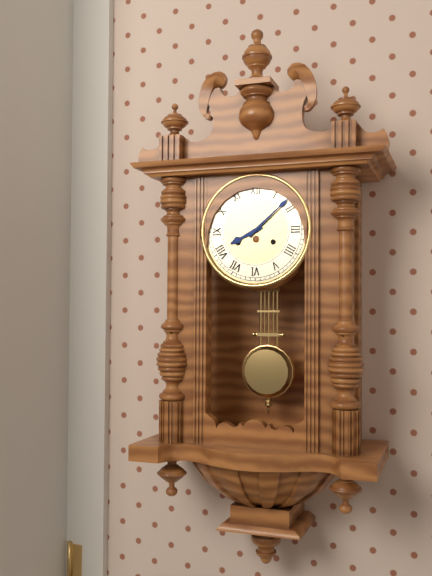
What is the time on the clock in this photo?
8:08
